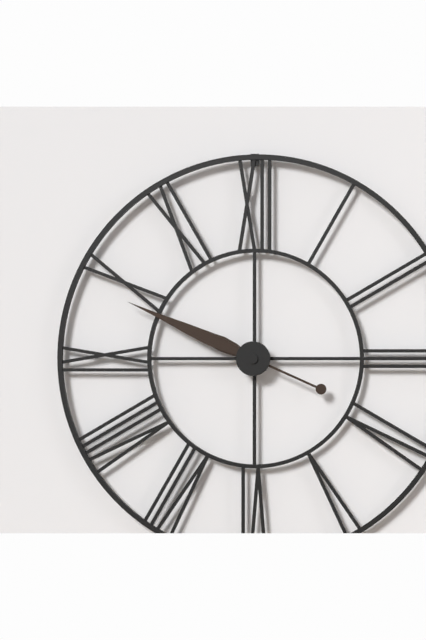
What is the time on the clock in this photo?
9:49
